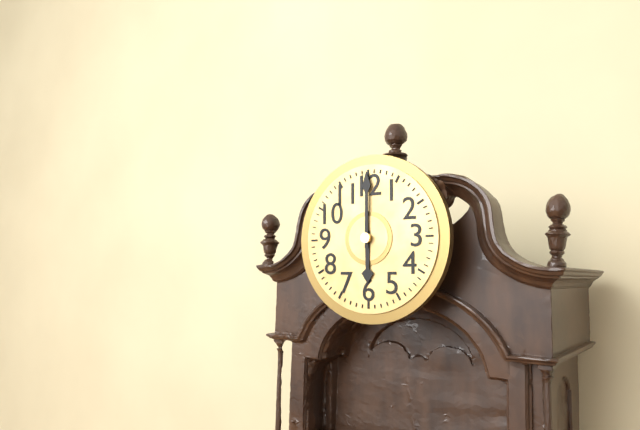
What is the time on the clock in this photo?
6:00
